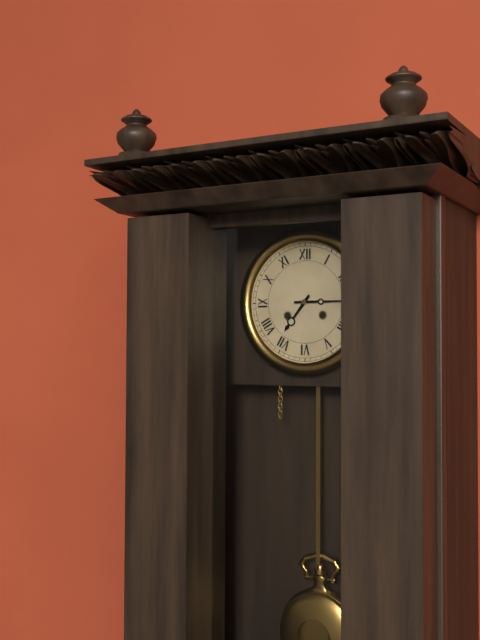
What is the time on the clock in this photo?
7:15
